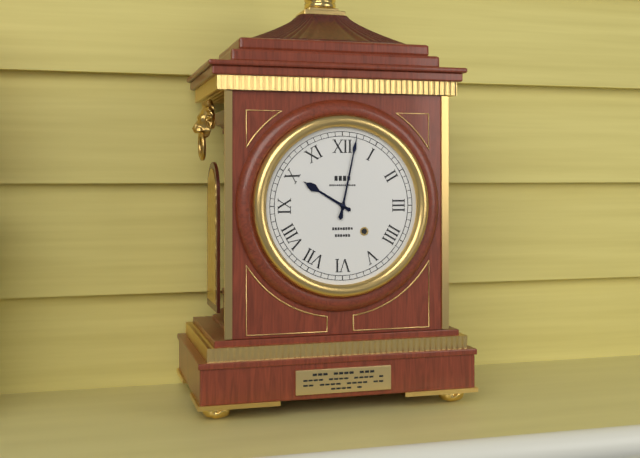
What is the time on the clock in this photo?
10:02
